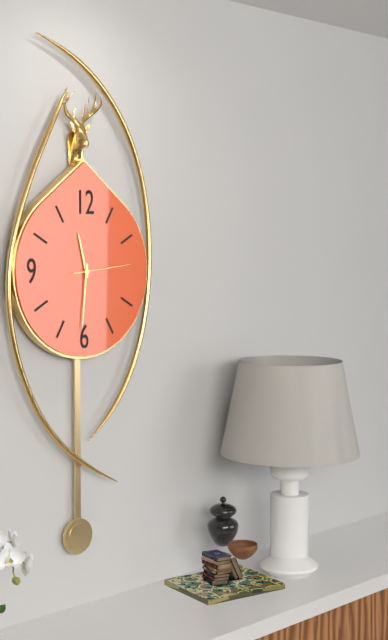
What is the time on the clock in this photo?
11:31:14
